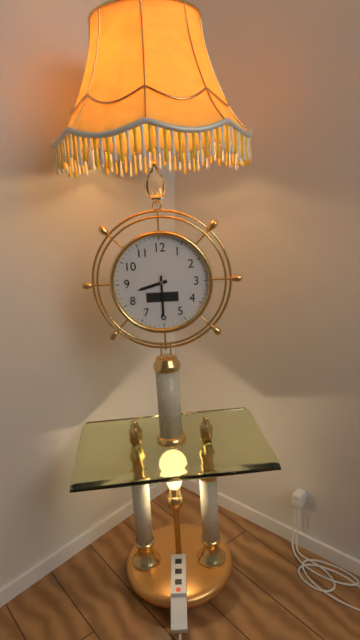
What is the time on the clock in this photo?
8:30
